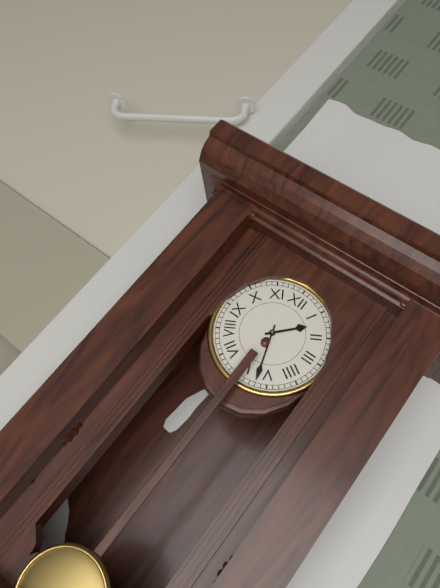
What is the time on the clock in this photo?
1:27
